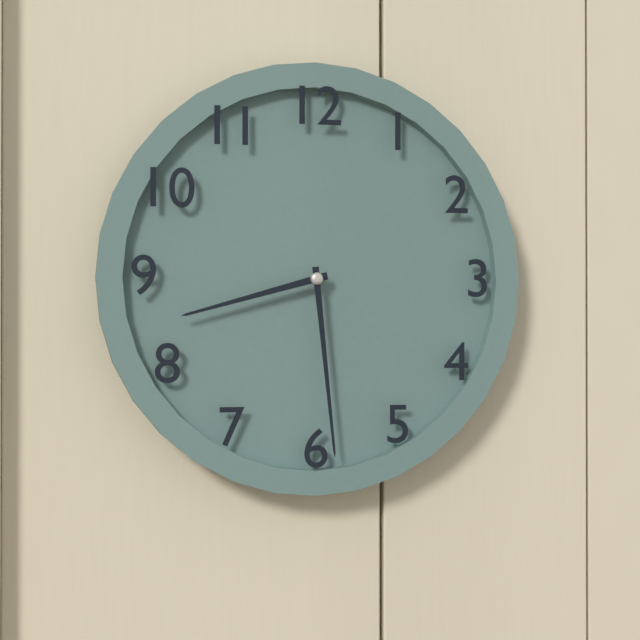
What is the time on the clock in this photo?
8:29
